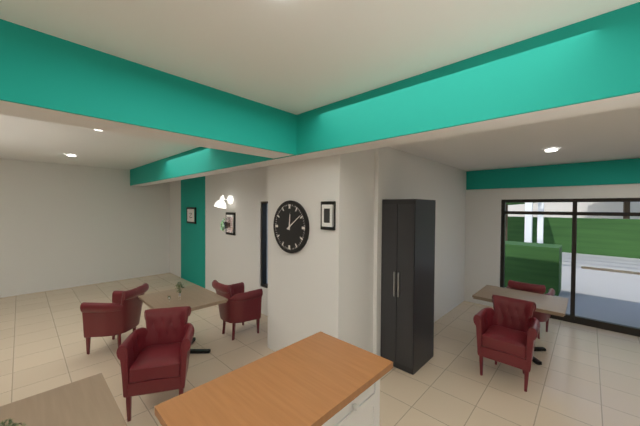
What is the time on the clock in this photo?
12:09
